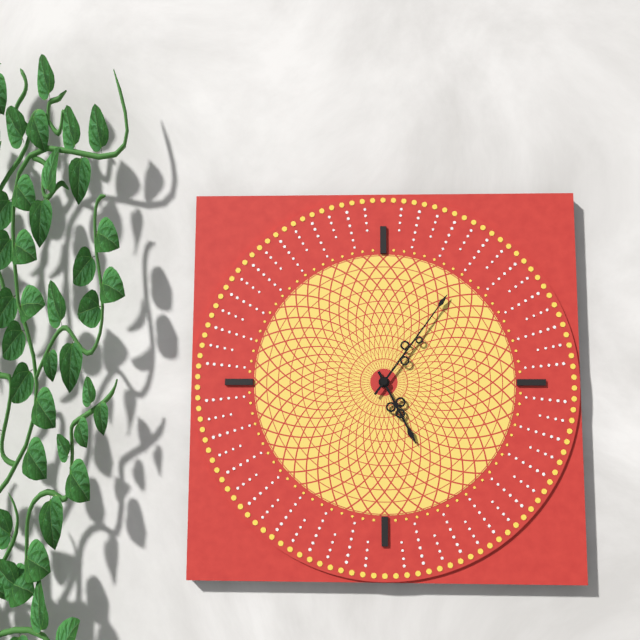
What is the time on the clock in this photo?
5:06
